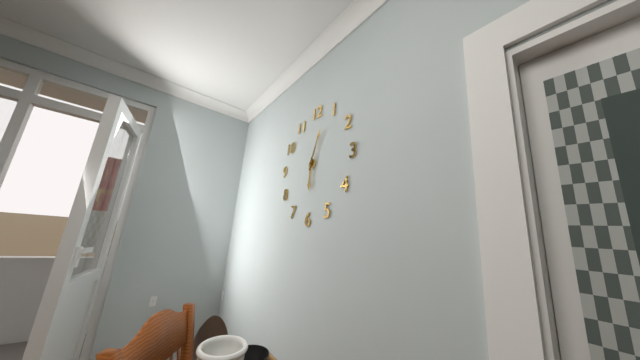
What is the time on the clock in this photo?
6:03
